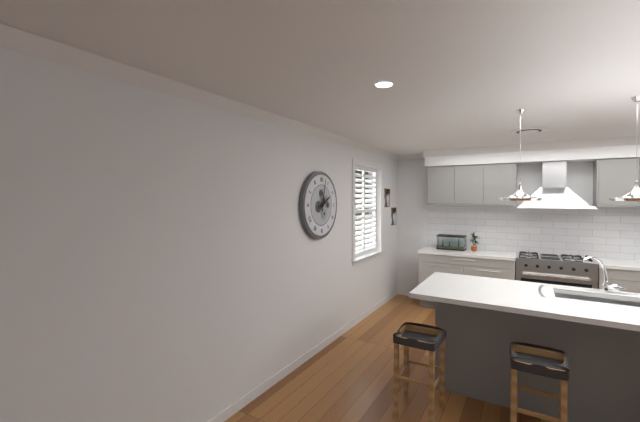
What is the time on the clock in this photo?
2:02
